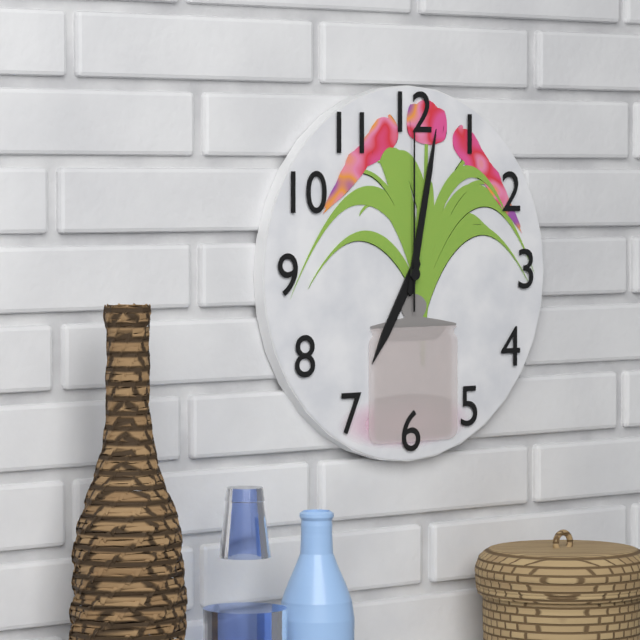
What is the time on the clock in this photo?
7:02:00
